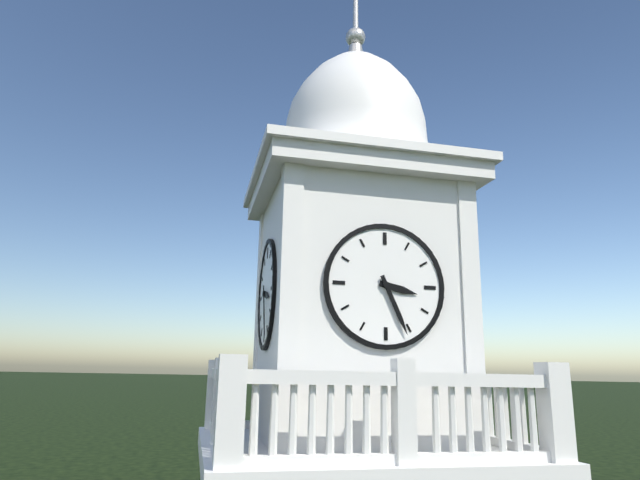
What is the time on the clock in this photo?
3:26
